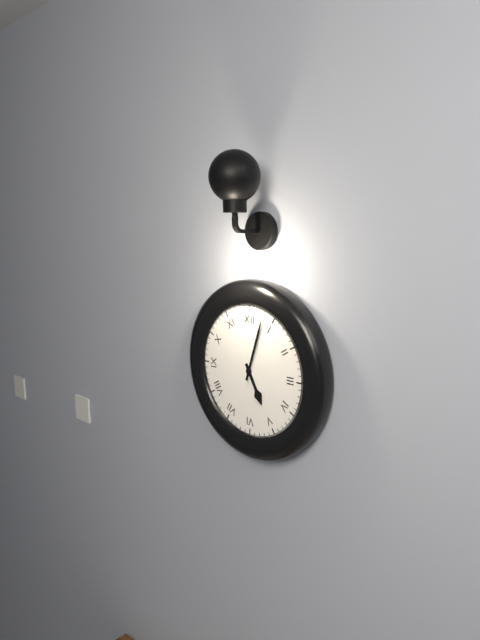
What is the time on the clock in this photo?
5:03
